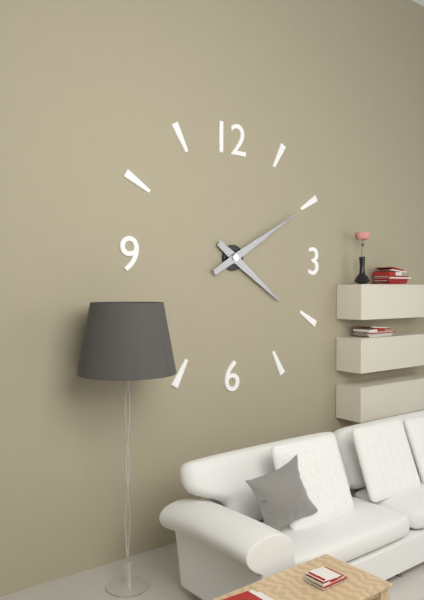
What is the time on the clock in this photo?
4:10
